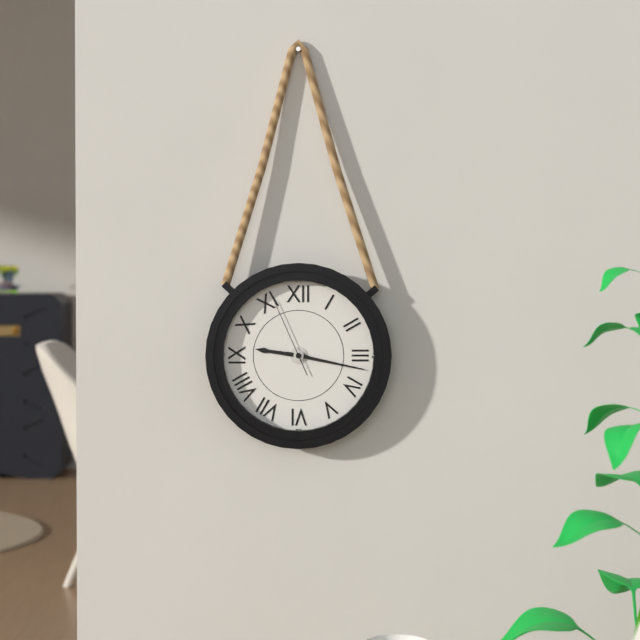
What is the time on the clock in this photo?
9:17:56
